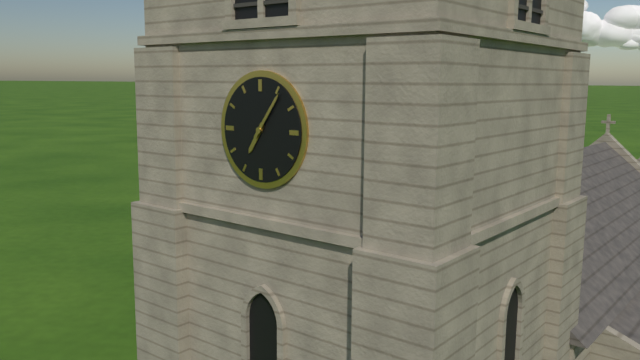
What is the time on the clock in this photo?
7:06
